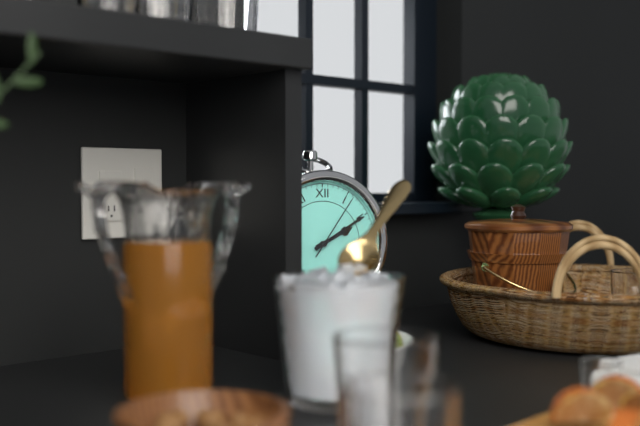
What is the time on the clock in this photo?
2:10:06
